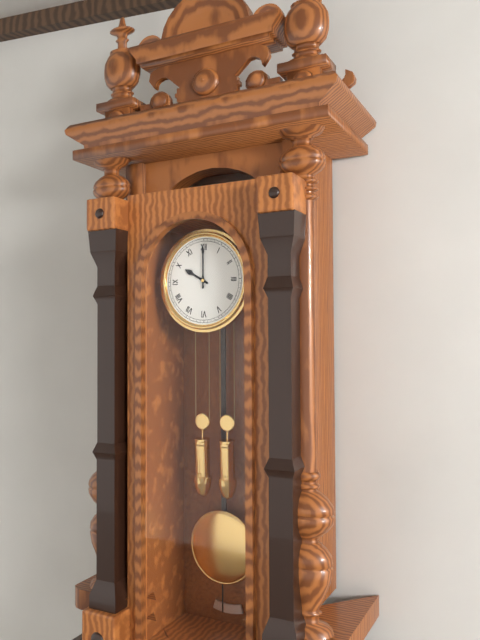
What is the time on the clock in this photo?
10:00
